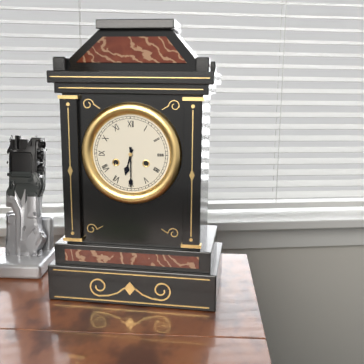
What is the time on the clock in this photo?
6:30
